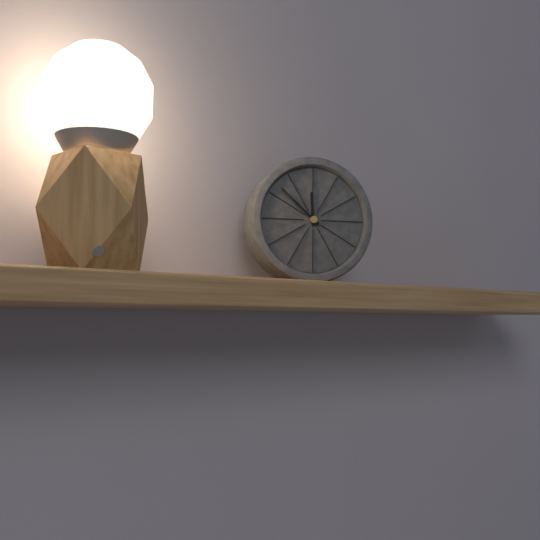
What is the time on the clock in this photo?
11:52
